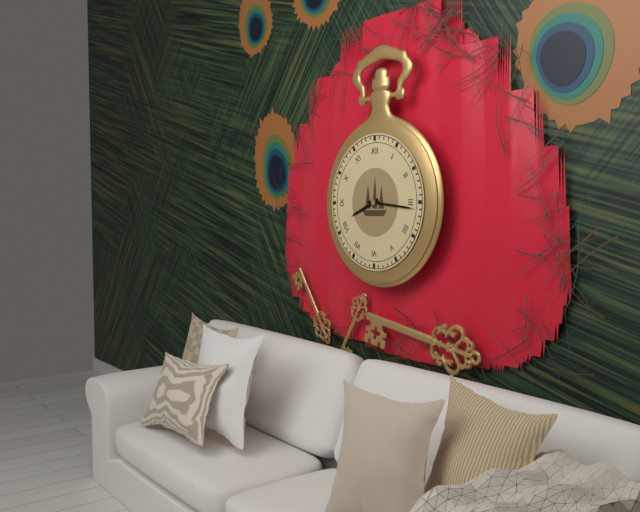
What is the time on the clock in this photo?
8:16
